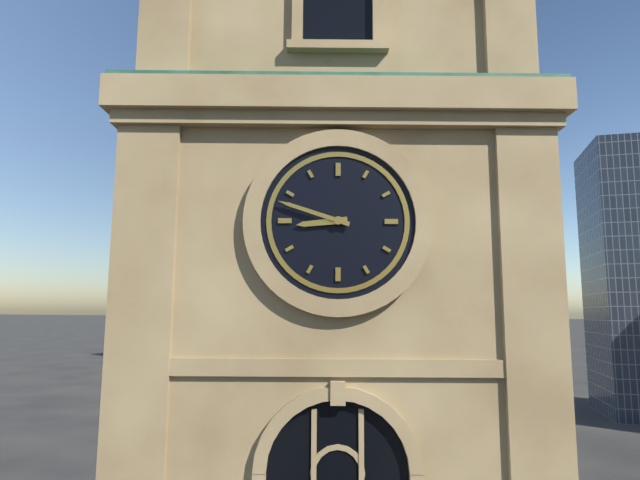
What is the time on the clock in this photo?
8:48
